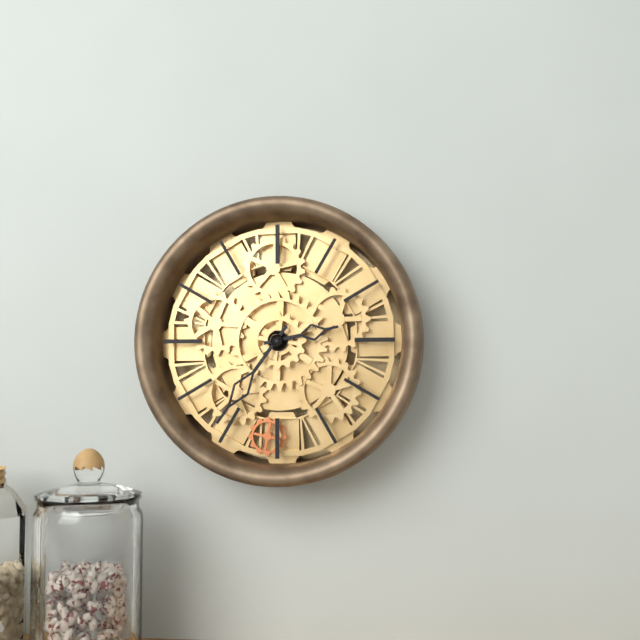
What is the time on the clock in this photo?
2:36
